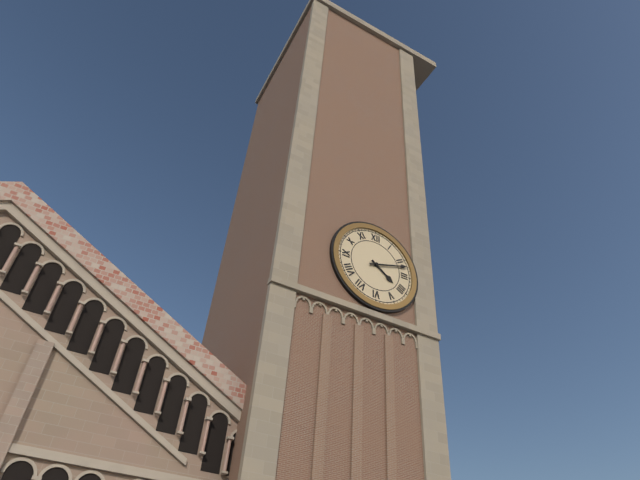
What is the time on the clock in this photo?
4:12
